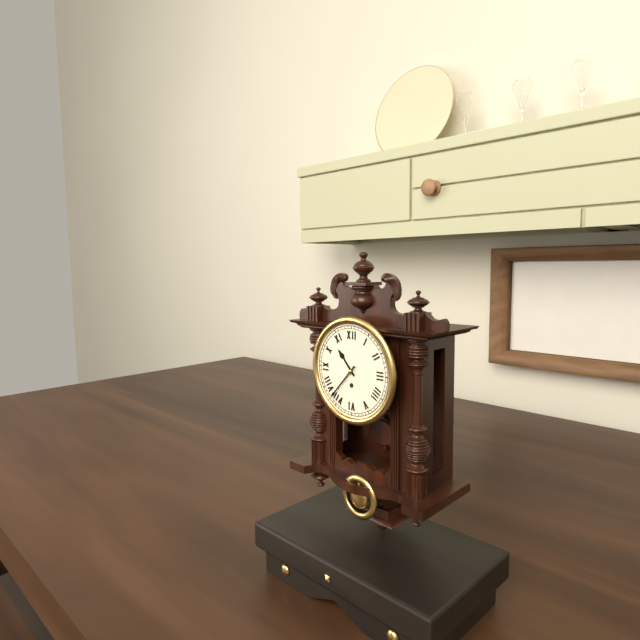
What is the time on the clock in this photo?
10:37
